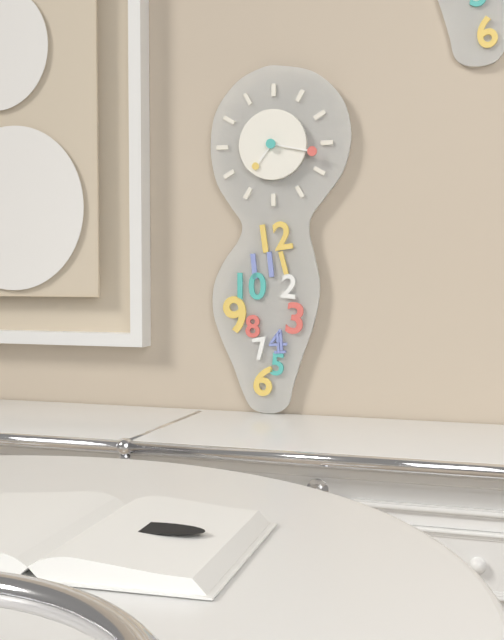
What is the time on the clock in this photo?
7:17
